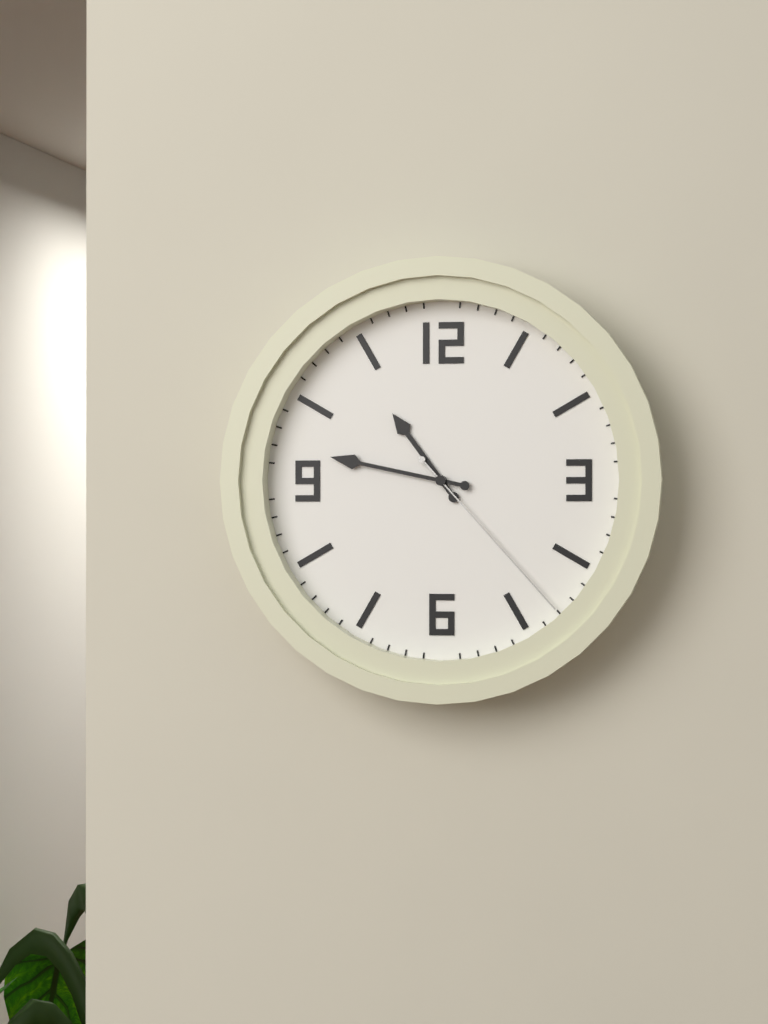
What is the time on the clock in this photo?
10:47:23
